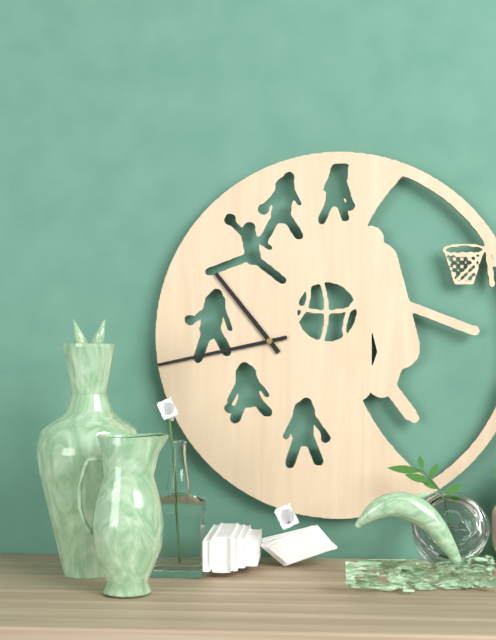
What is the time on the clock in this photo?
10:43
